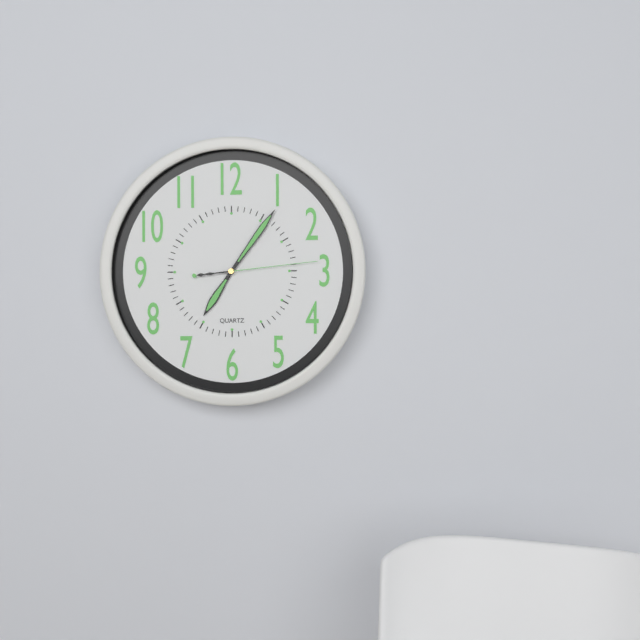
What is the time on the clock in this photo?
7:06:14
